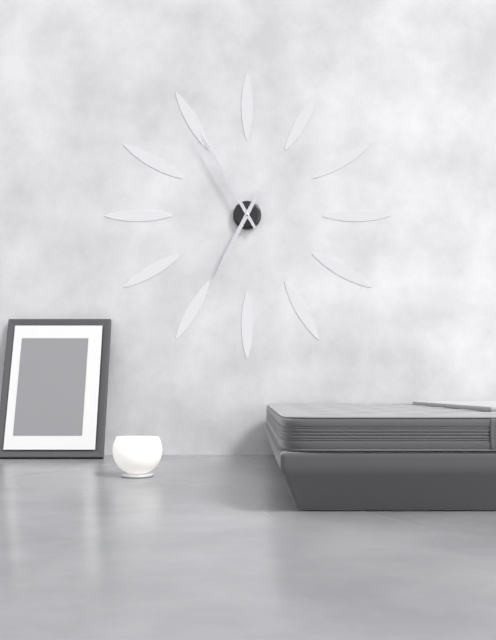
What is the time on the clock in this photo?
6:55
